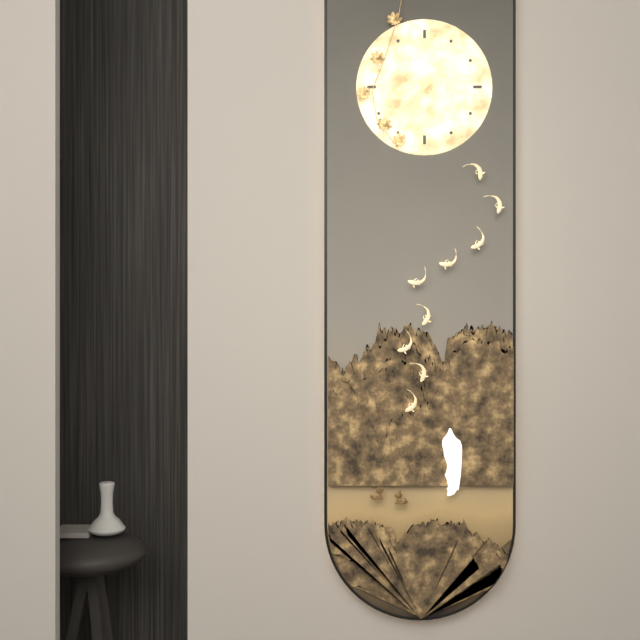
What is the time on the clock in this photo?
7:34
